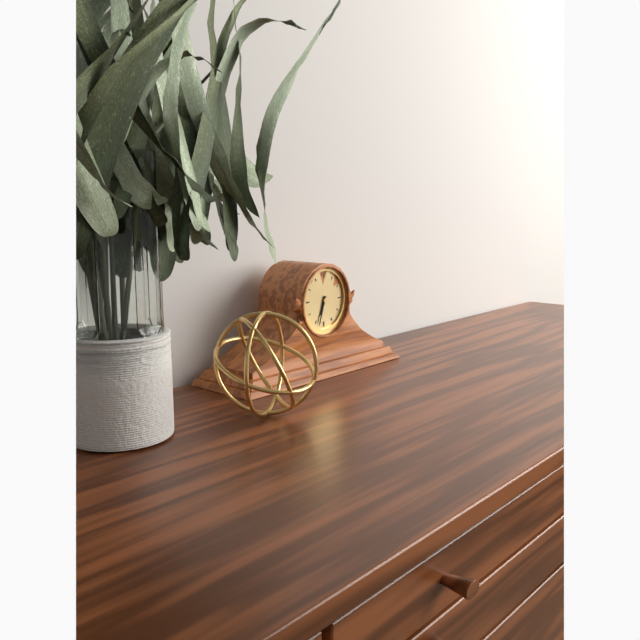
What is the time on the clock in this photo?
6:33
